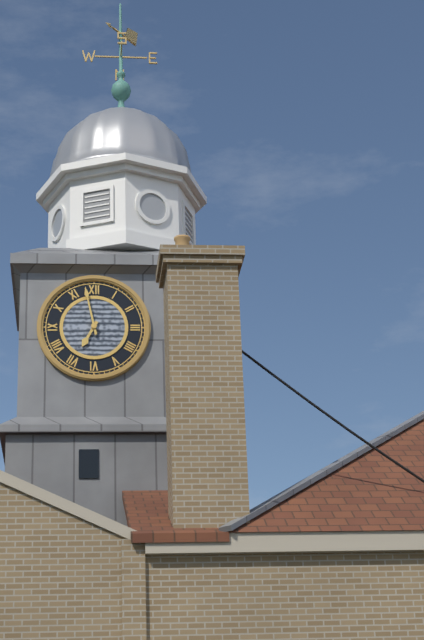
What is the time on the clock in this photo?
6:58
